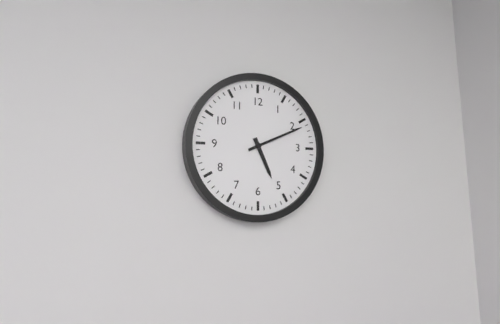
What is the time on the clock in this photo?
5:11
